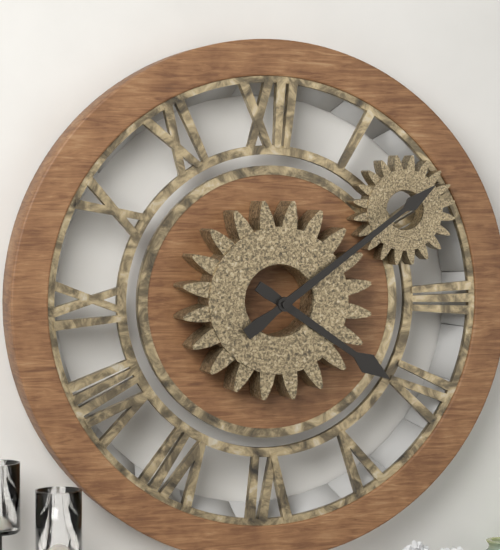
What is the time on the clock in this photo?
4:09
